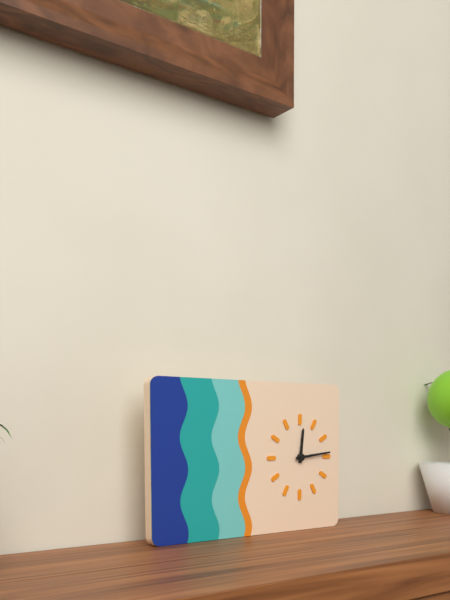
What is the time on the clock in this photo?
12:14
